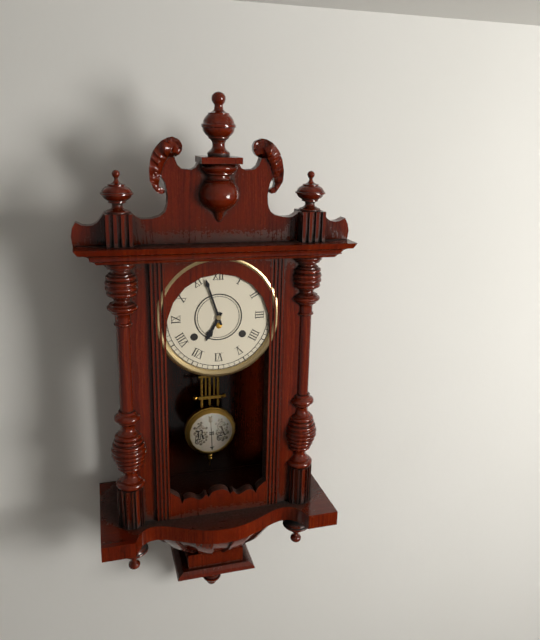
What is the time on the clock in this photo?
6:57
